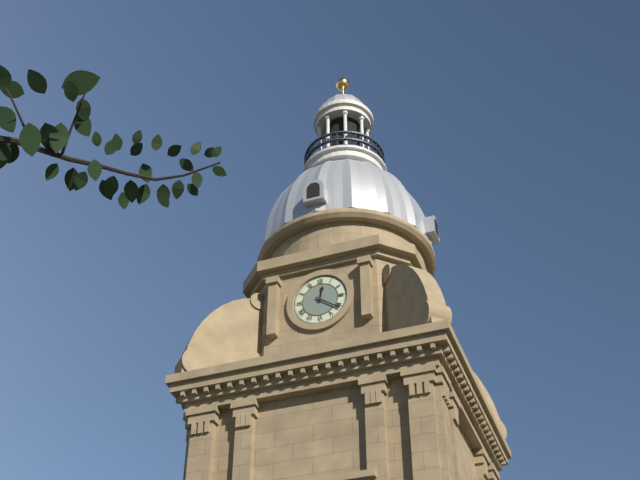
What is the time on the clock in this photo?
12:21
